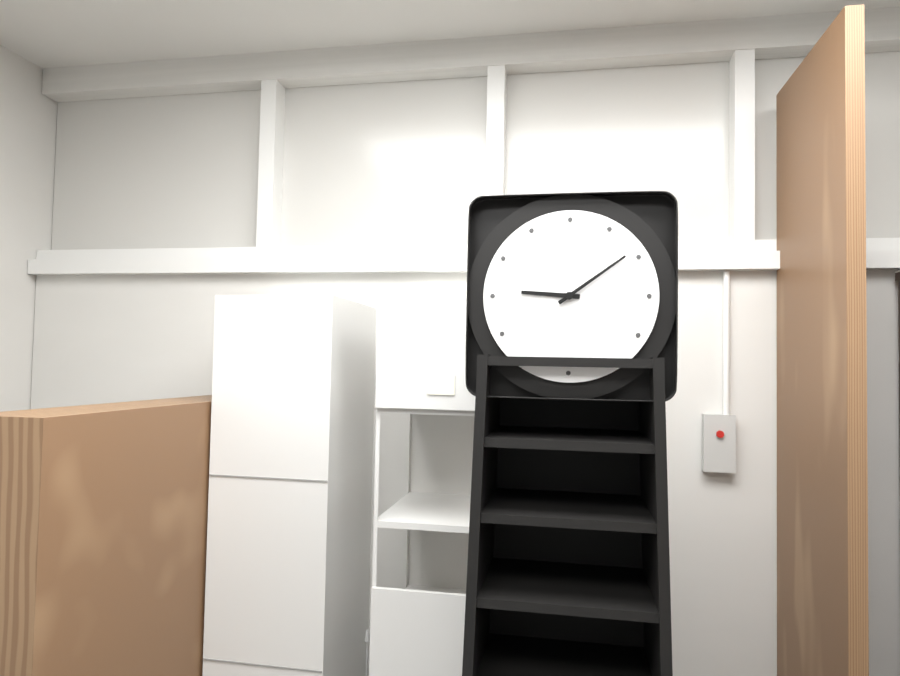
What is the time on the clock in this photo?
9:09
